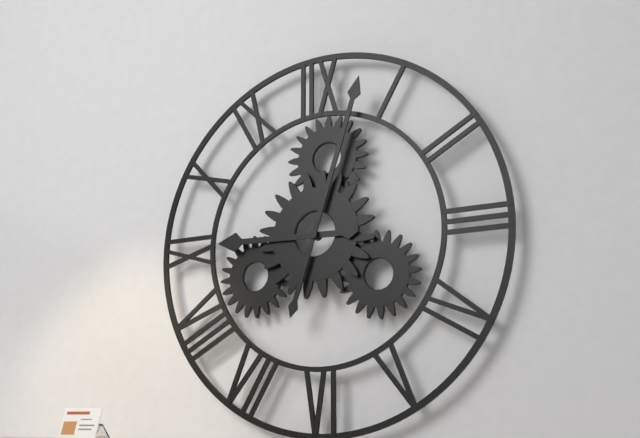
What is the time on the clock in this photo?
9:03
